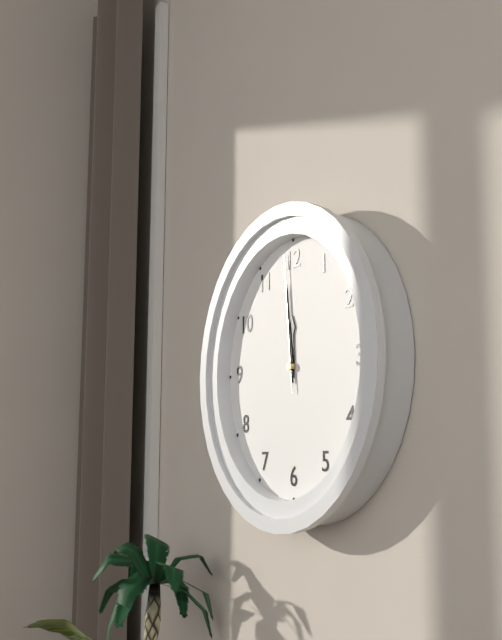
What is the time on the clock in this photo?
11:59:59
